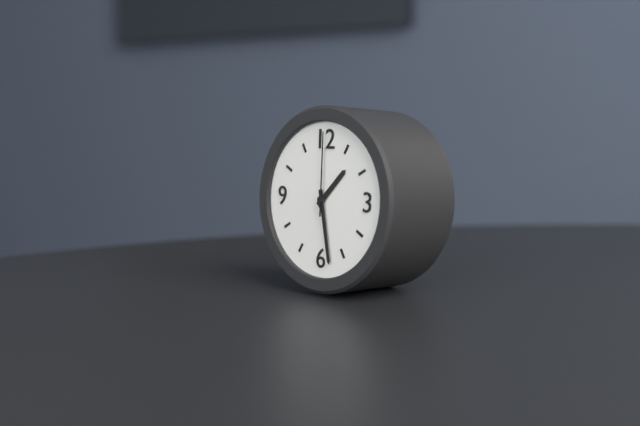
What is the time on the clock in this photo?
1:28:00
